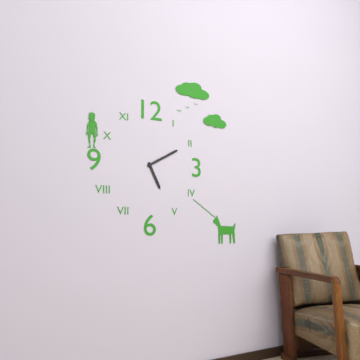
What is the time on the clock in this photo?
5:10
